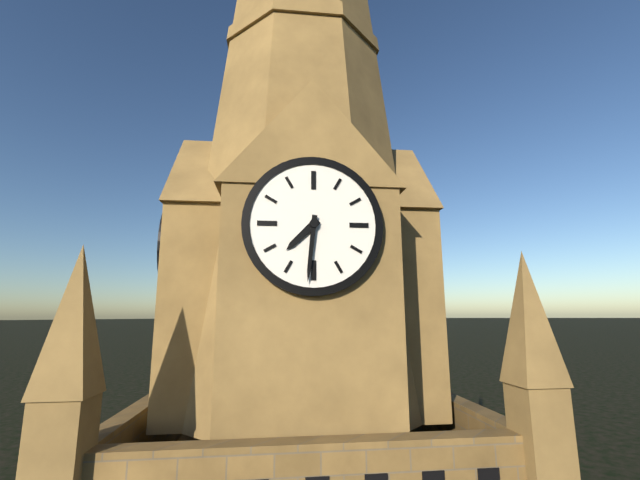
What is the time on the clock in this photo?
7:31
